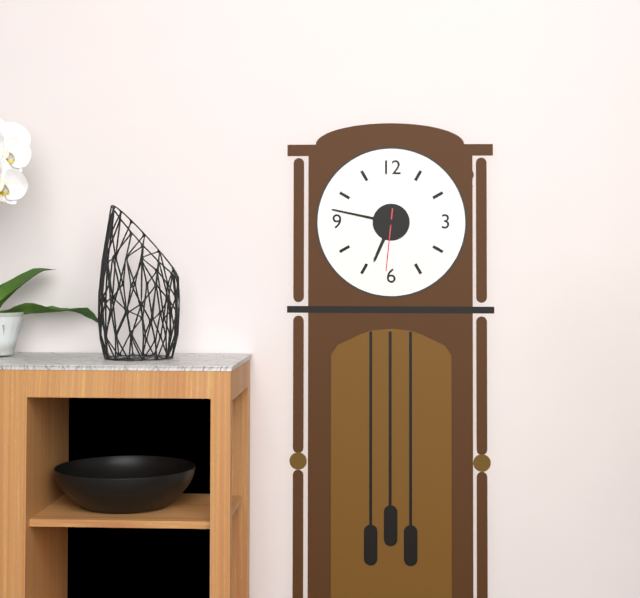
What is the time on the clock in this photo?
6:47:31
